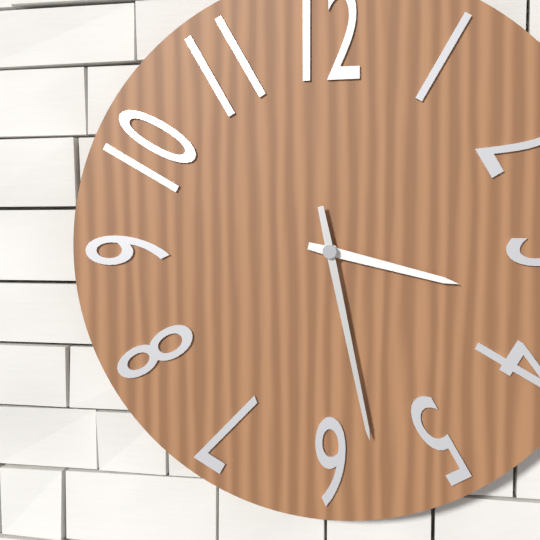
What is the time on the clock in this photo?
3:28
